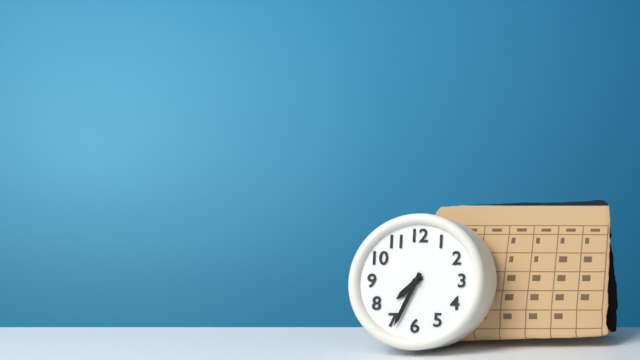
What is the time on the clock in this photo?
7:34
